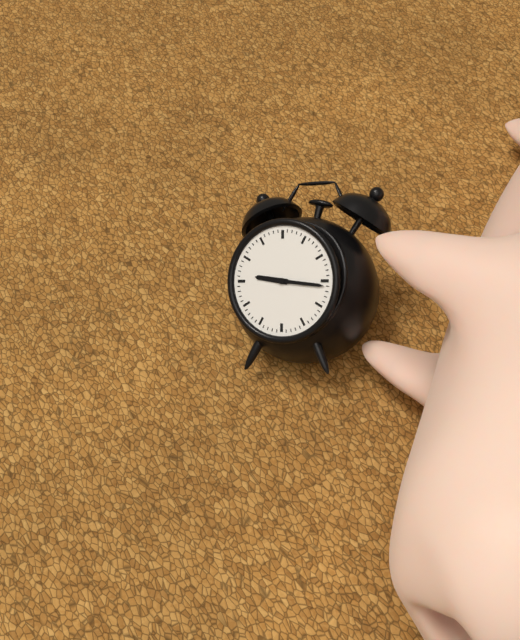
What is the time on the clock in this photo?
9:16
